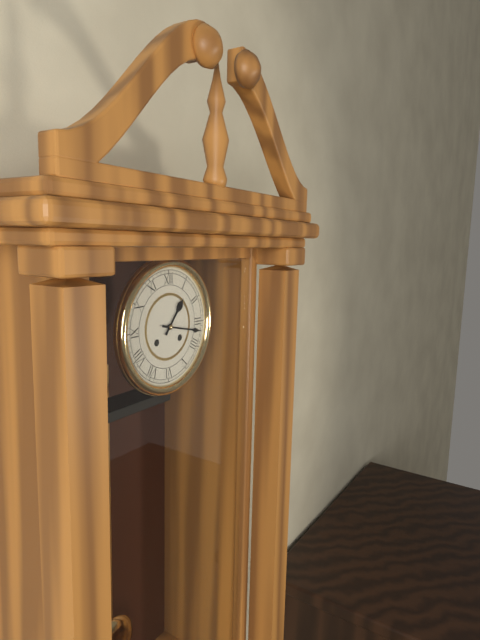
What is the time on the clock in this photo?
1:17
